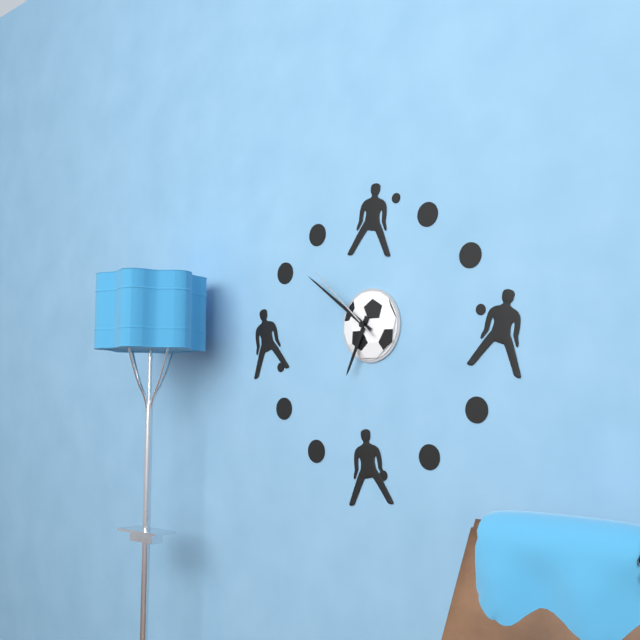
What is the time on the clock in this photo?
6:51:52
